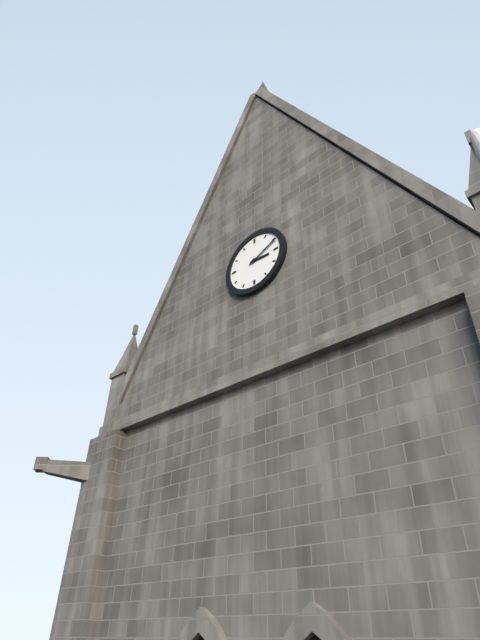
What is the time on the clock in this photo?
3:11
